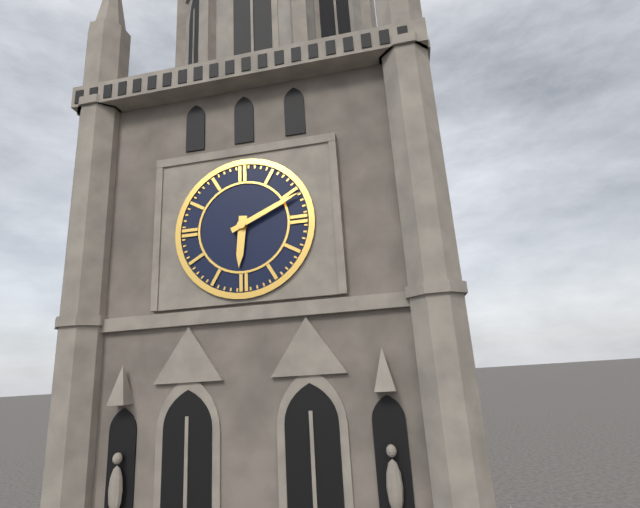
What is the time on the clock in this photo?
6:11
